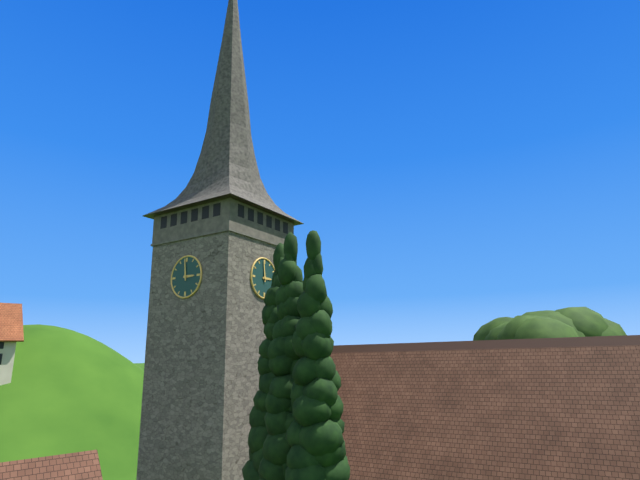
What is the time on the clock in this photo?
2:59
